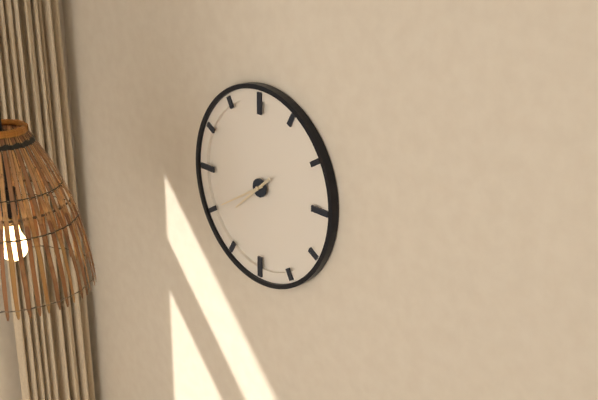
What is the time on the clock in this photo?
7:40
